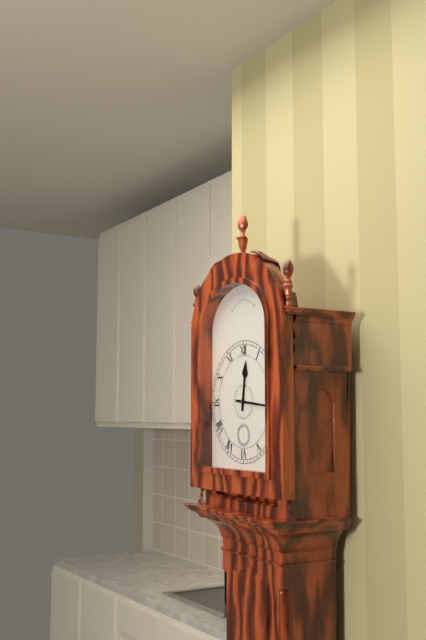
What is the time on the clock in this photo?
12:16
